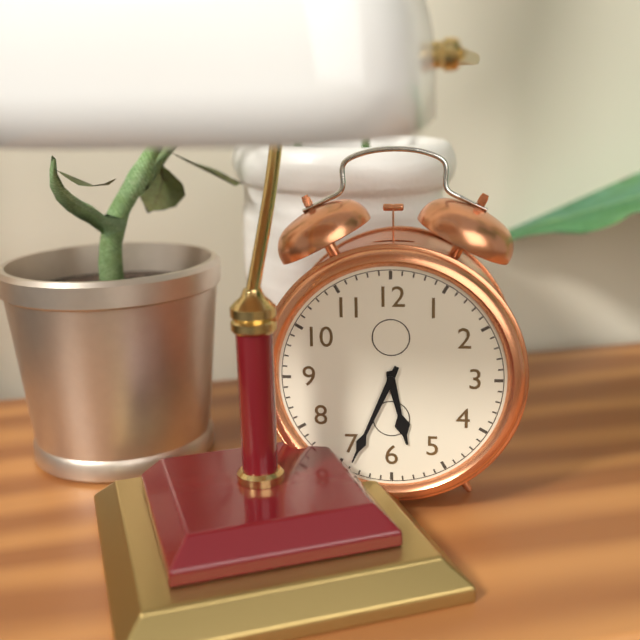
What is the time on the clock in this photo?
5:34
